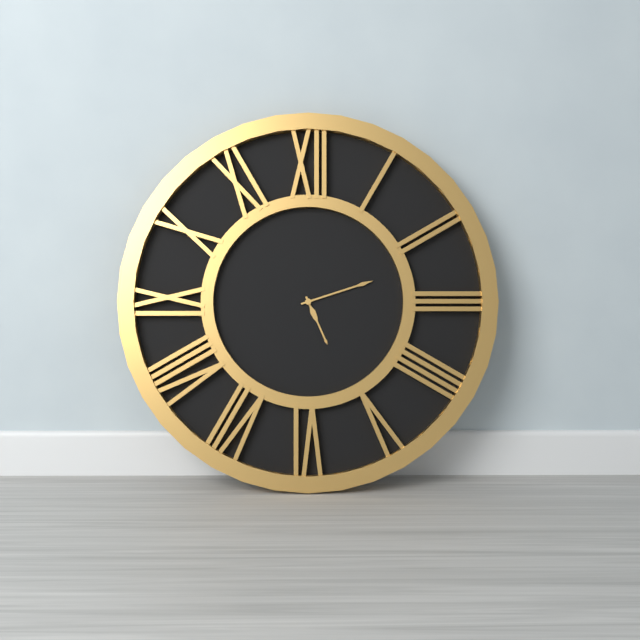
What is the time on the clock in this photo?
5:12
